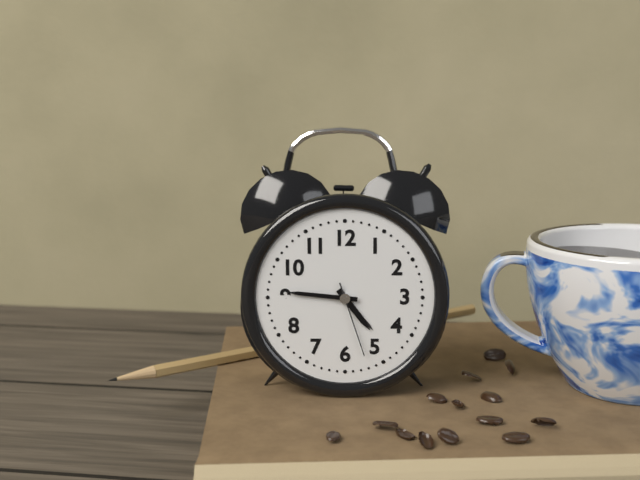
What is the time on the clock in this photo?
4:46:27
